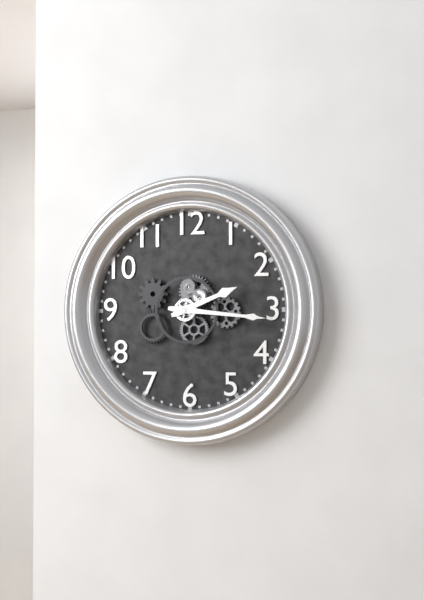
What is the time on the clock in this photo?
2:16
